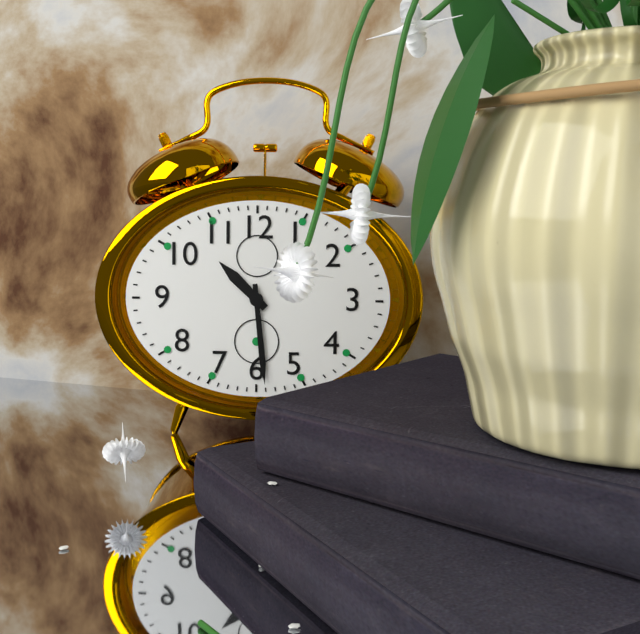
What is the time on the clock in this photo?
10:29
